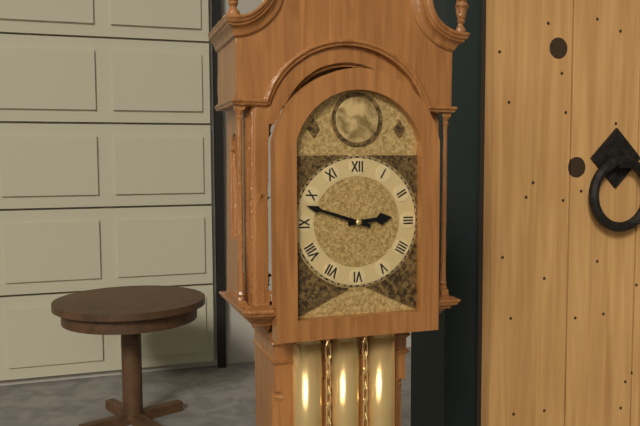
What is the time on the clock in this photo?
2:48
